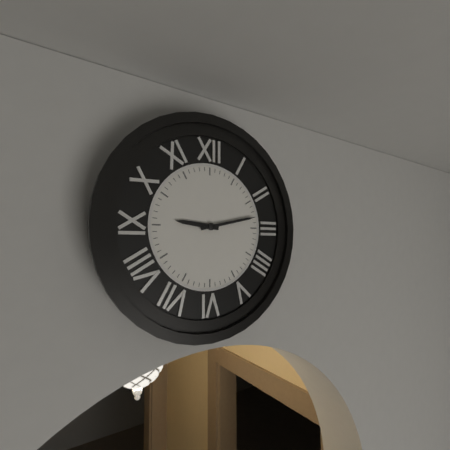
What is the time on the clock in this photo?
9:13
